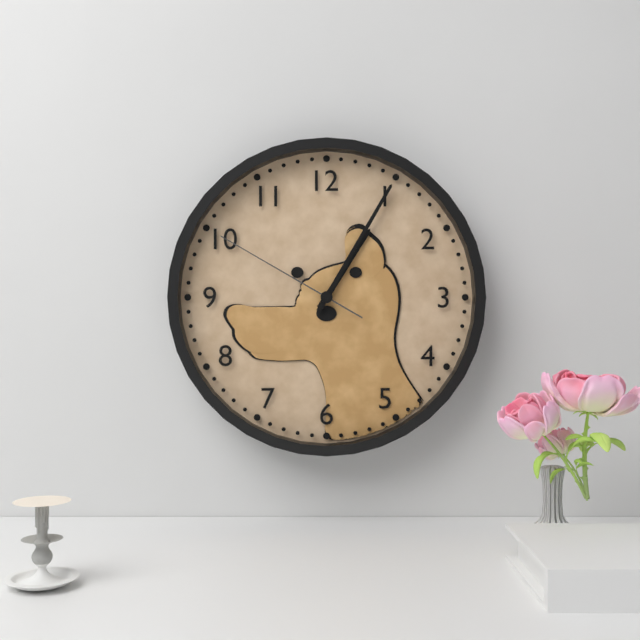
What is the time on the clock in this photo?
1:05:50
